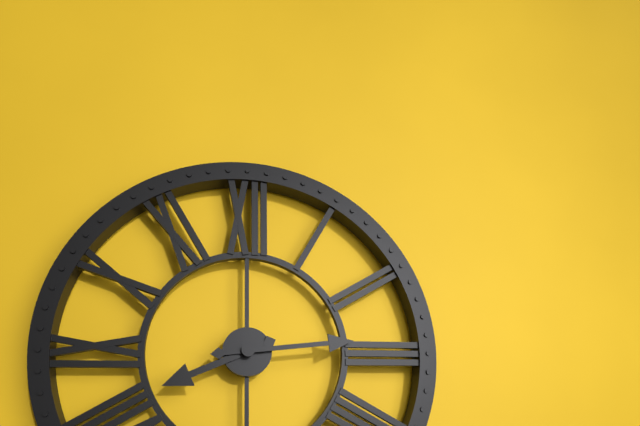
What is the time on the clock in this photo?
8:14
